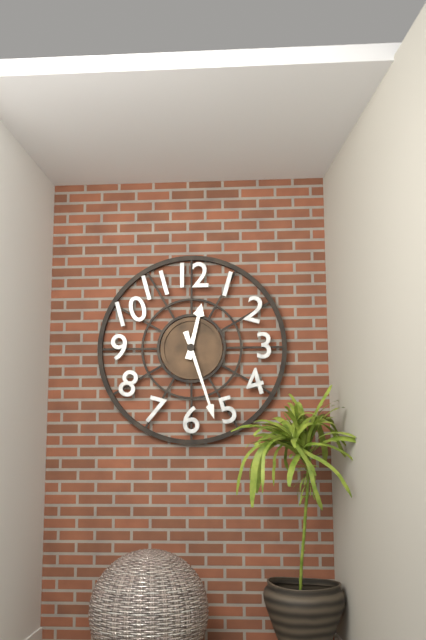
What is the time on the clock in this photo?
12:27
